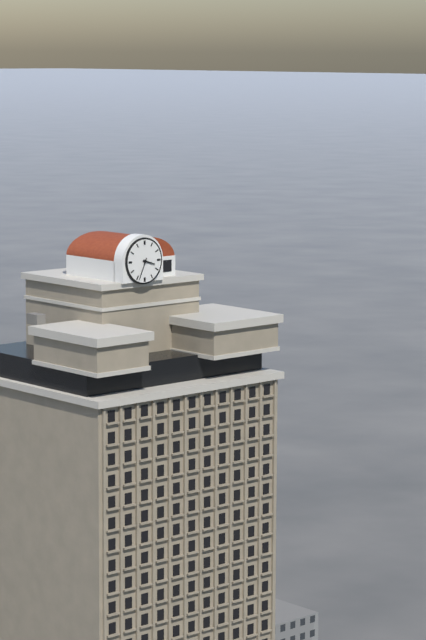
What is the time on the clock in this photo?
3:34
